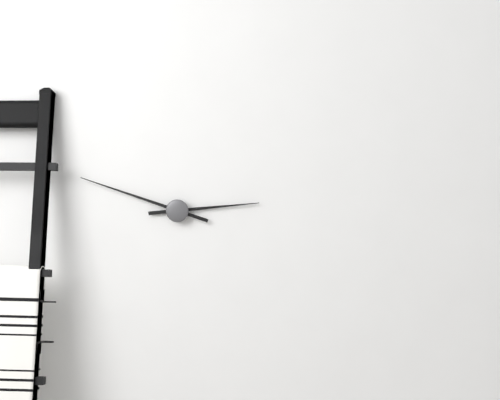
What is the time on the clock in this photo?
2:48
